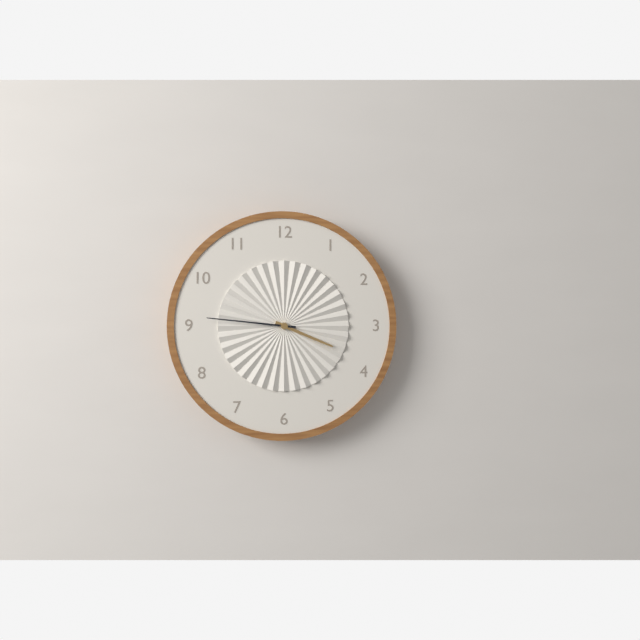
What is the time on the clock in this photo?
3:46
